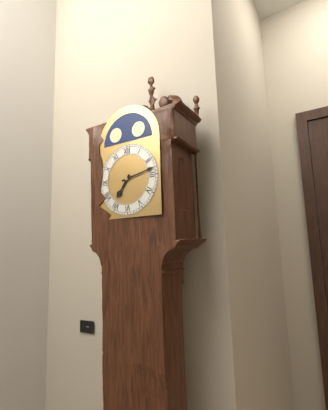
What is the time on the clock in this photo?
7:13
